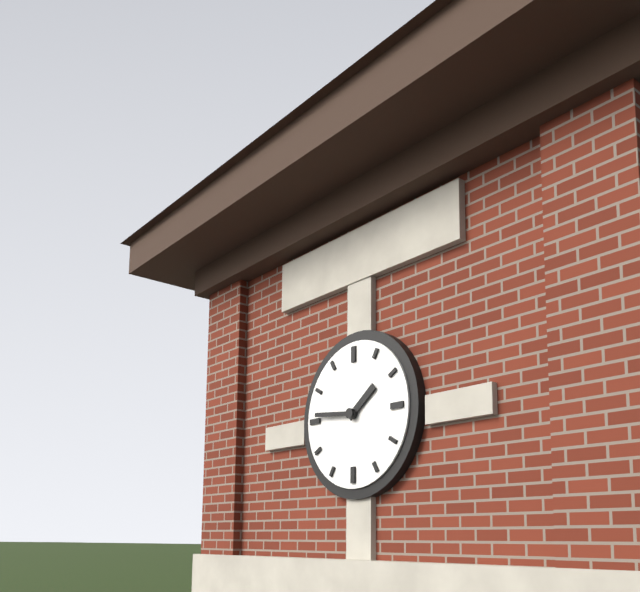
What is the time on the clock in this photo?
1:46
